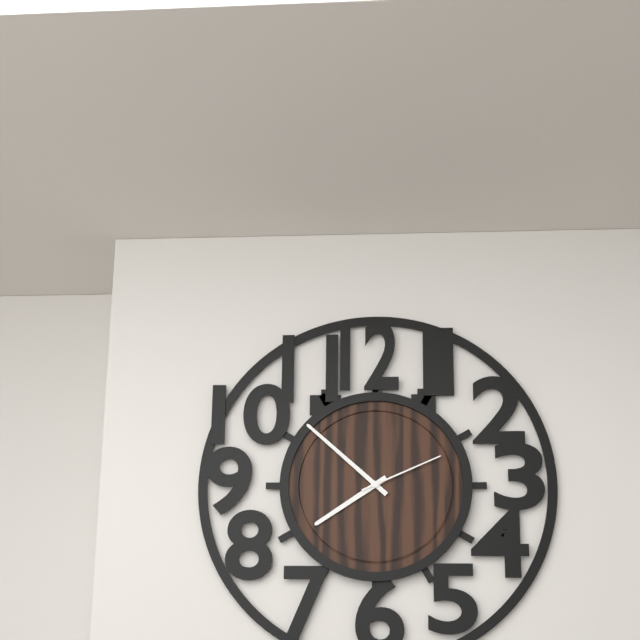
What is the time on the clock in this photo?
7:52:11
